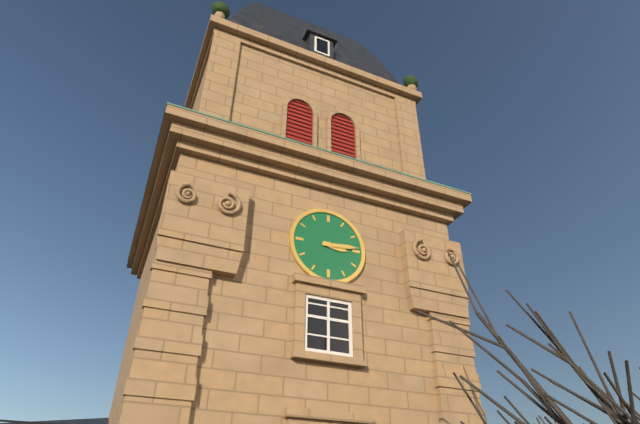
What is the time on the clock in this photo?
3:14
